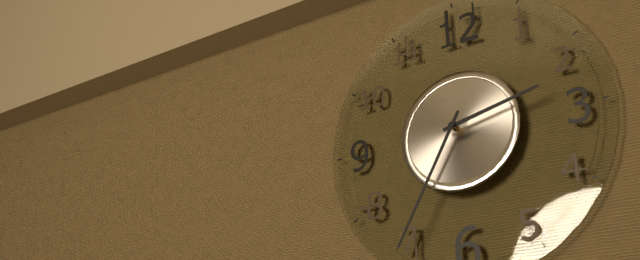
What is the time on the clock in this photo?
2:35
